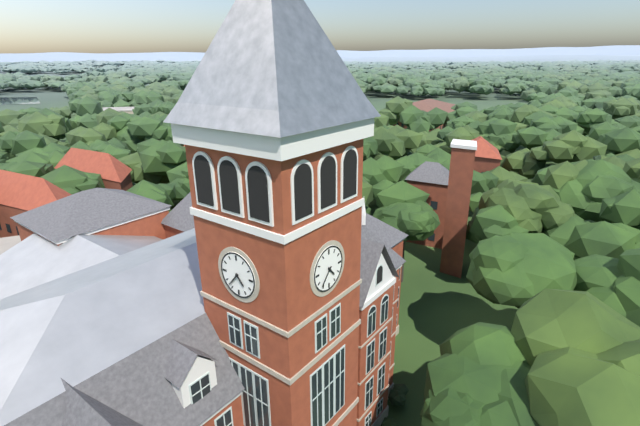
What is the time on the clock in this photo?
4:37
